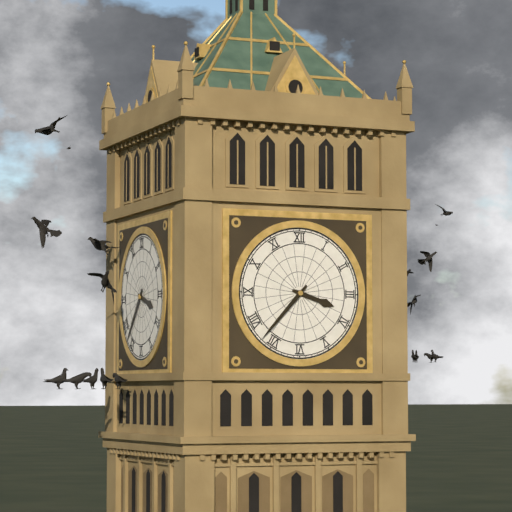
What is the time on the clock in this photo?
3:37
